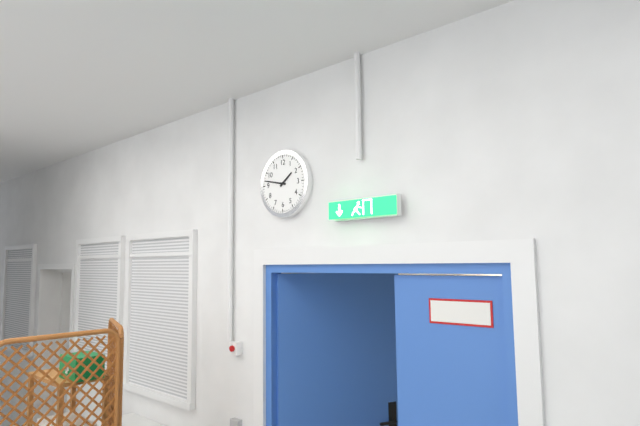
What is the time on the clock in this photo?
1:47
